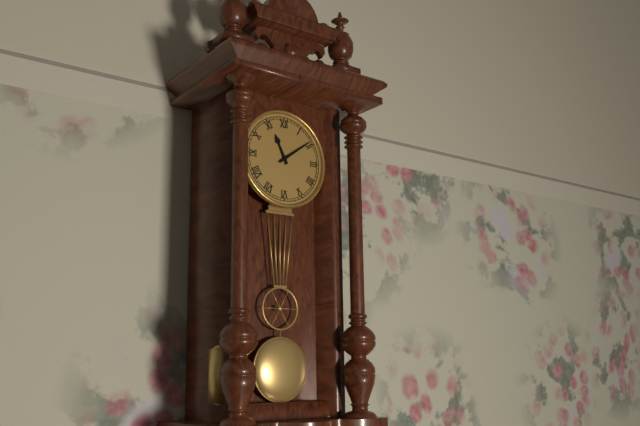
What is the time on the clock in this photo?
11:09
